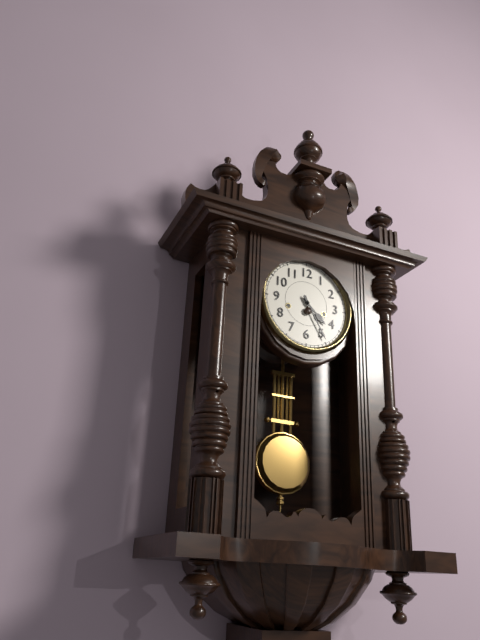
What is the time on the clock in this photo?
4:25
